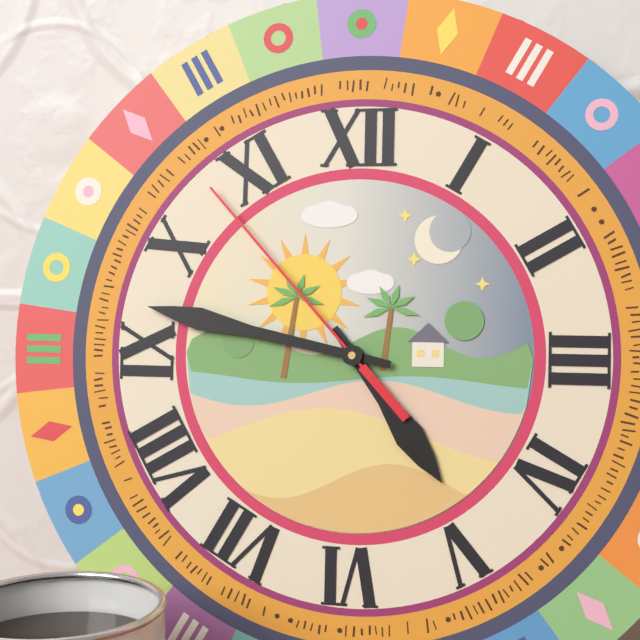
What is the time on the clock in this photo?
4:47:53
